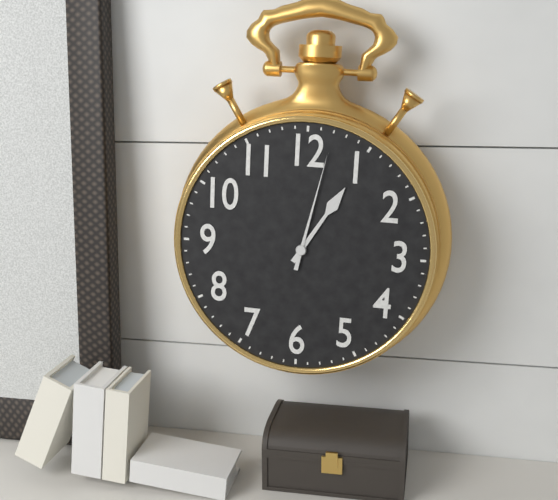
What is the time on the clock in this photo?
1:02
